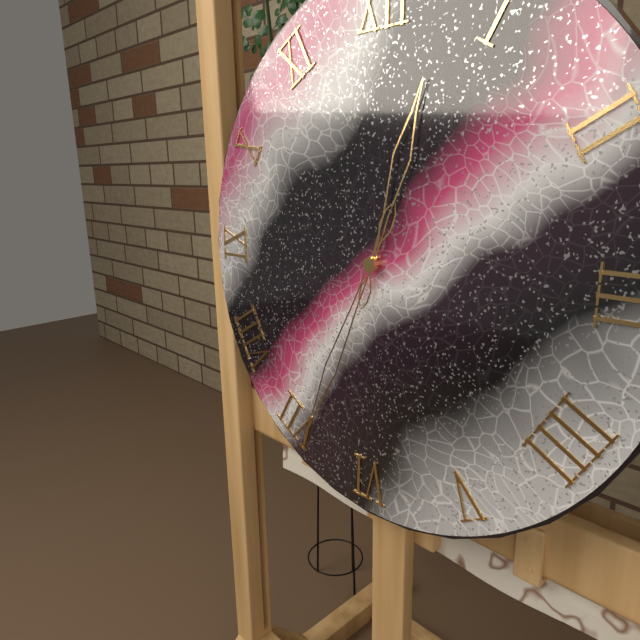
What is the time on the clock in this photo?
12:34
